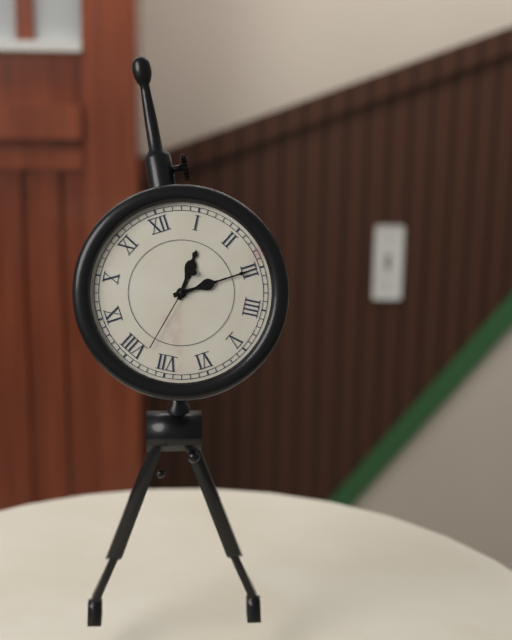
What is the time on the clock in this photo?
1:15:38
